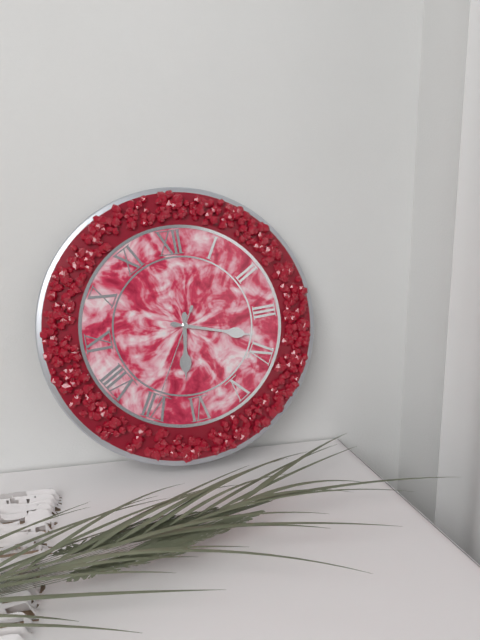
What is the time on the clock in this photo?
6:18:35
